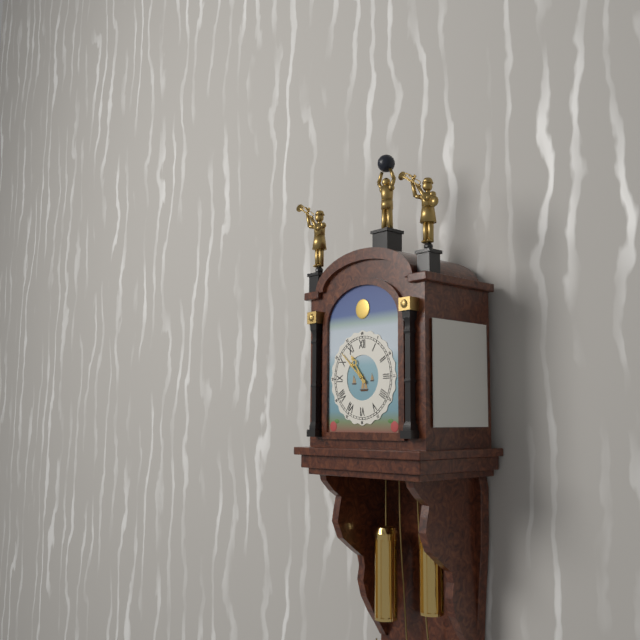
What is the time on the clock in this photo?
10:52
